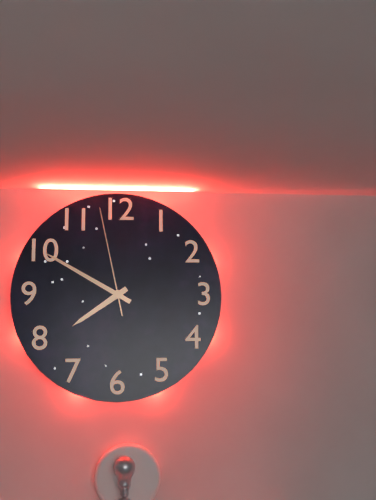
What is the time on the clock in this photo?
7:50:58
